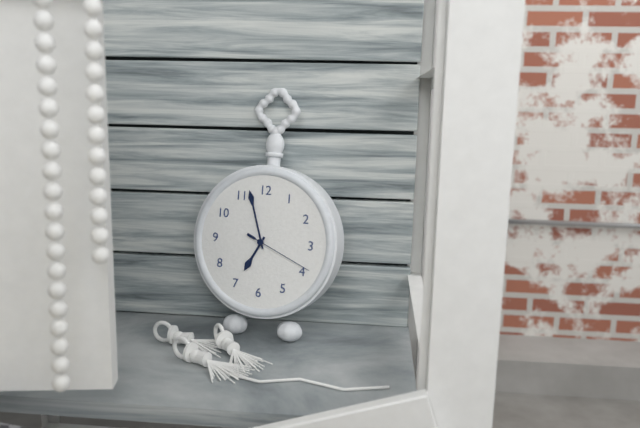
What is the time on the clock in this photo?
6:57:19
